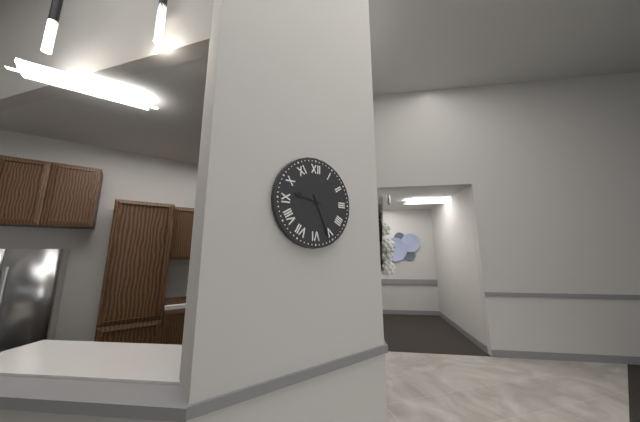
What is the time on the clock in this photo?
9:26
